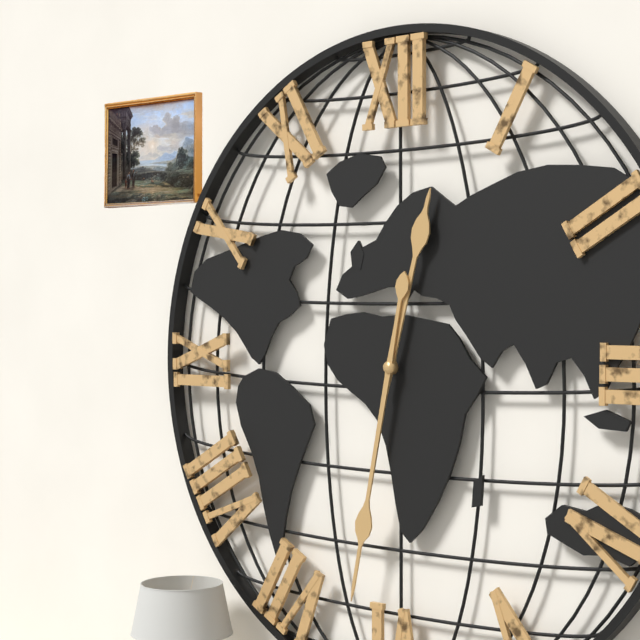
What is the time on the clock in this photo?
12:32
